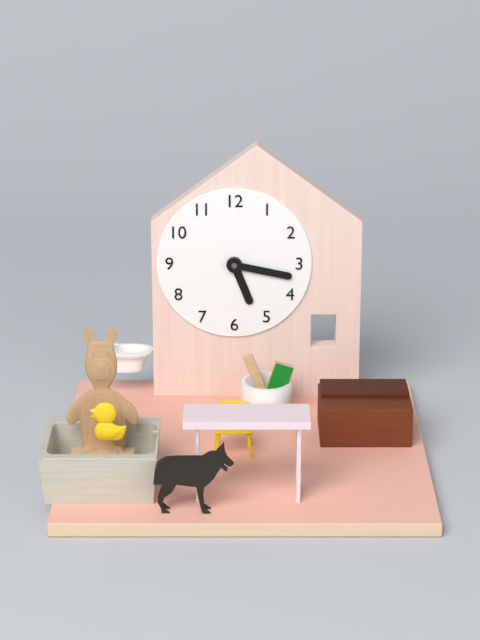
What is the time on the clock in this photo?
5:17
